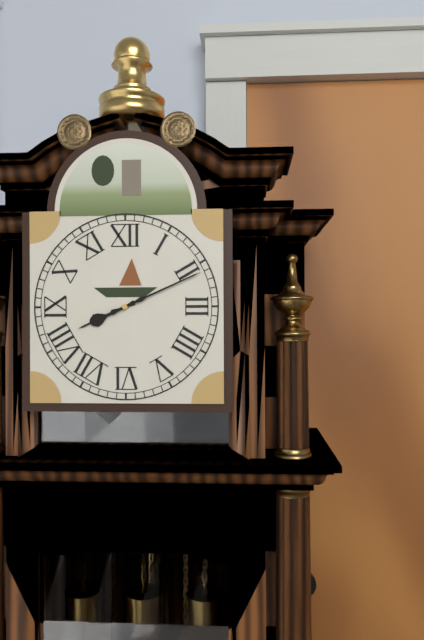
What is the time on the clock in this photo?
8:11
